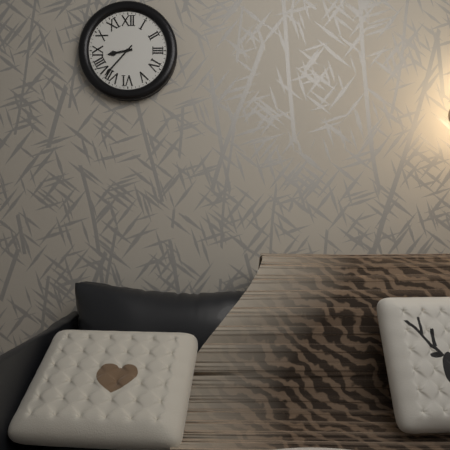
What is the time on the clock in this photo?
8:37
